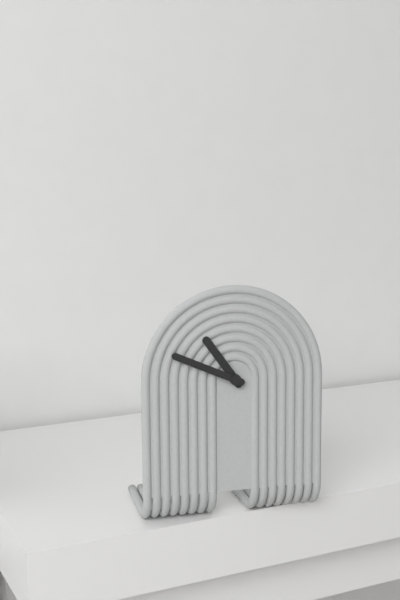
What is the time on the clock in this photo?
10:49
